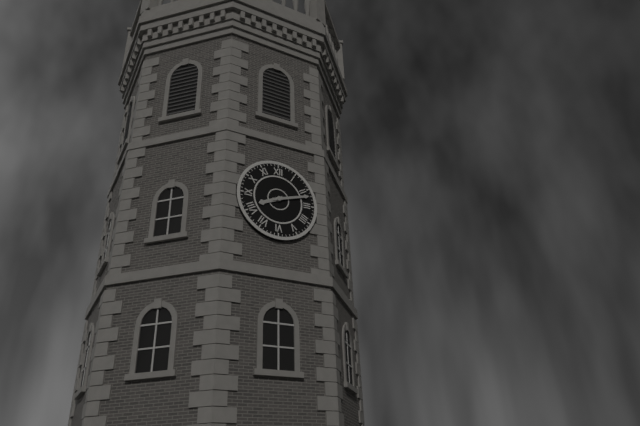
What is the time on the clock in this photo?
8:12
